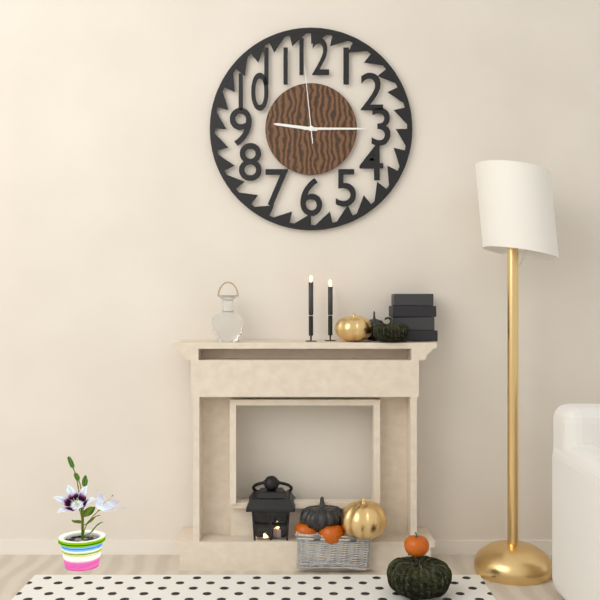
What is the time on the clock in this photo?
9:15:59
